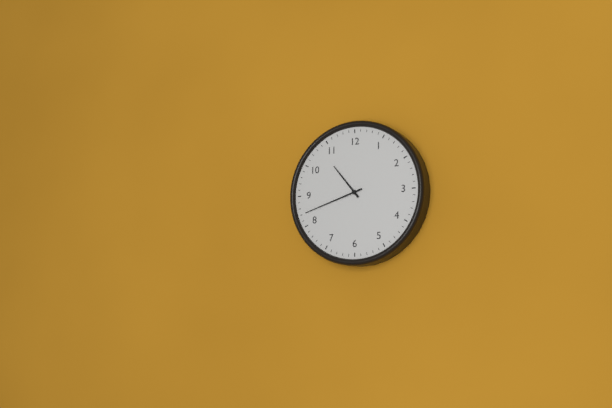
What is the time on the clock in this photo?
10:42
